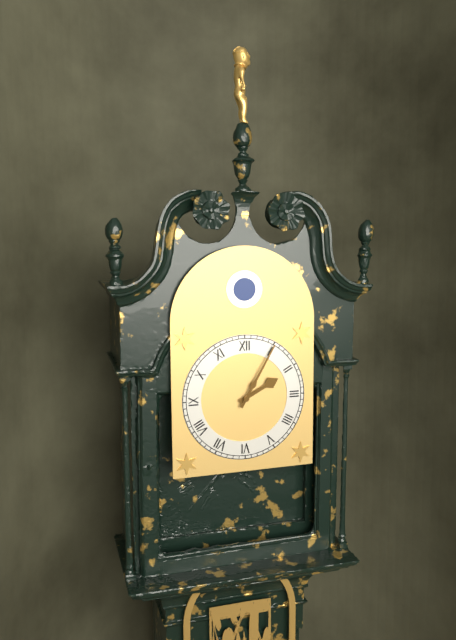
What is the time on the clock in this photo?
2:05
